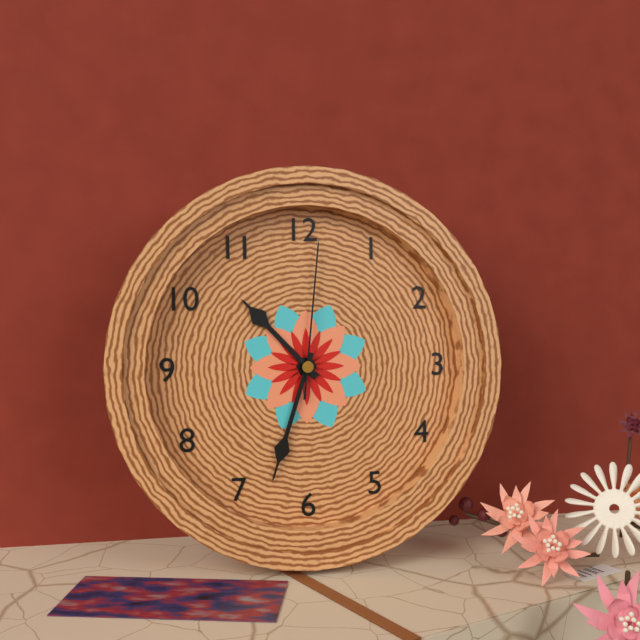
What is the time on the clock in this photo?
10:33:01
